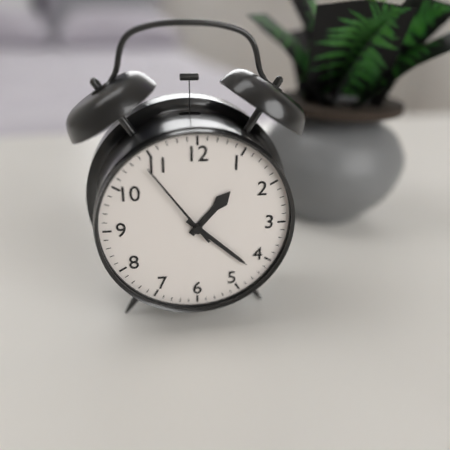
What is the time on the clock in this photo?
1:22:54
